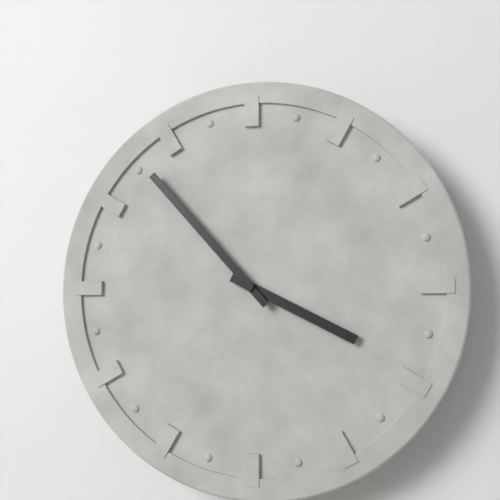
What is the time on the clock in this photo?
3:53
